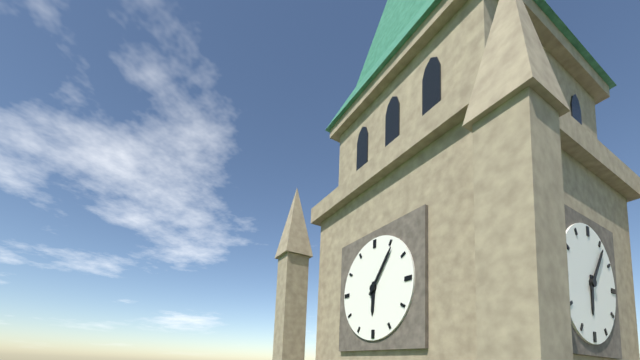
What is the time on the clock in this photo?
6:06
